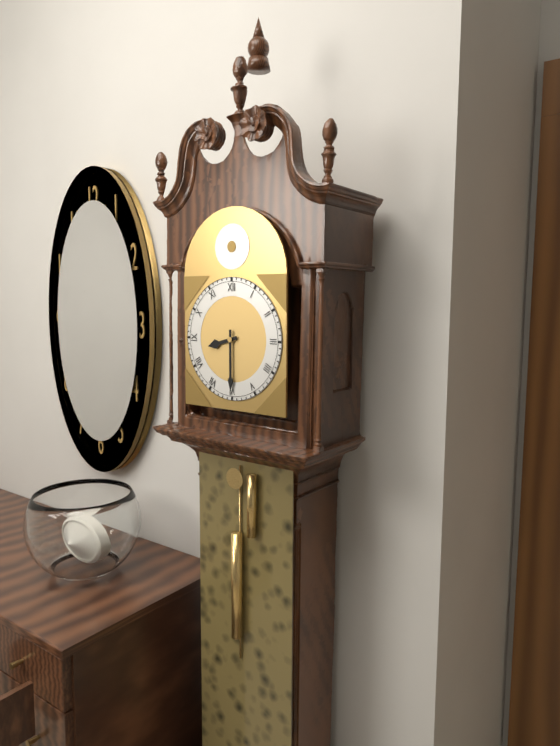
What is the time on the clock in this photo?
8:30
